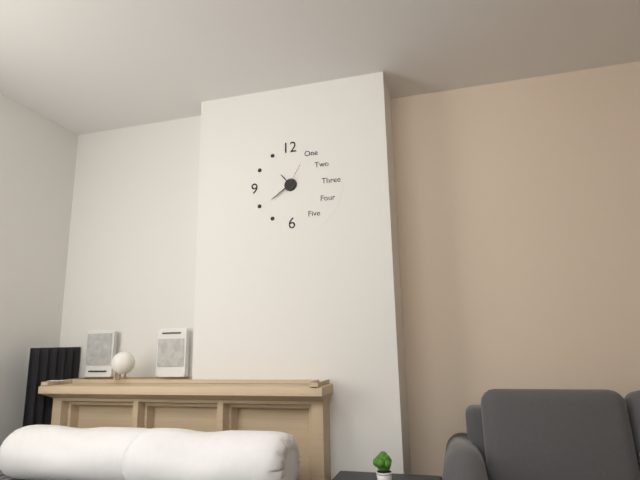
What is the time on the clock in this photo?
10:39
